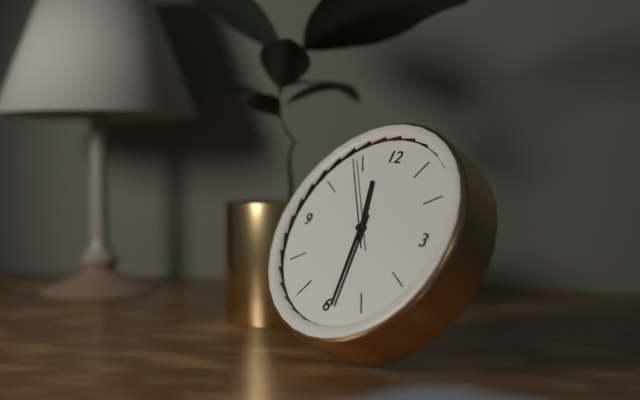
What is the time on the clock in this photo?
11:29:54
